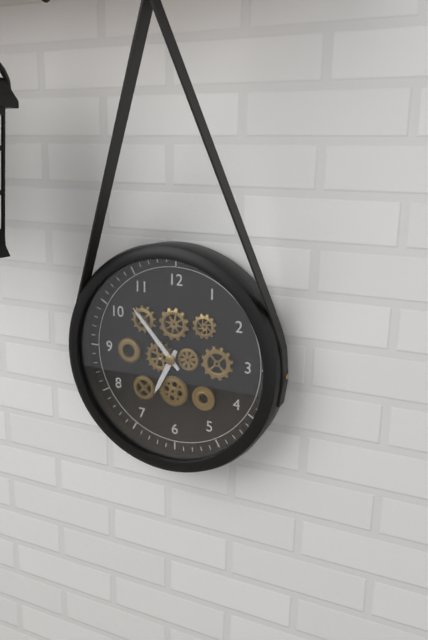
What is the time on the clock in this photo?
6:53
